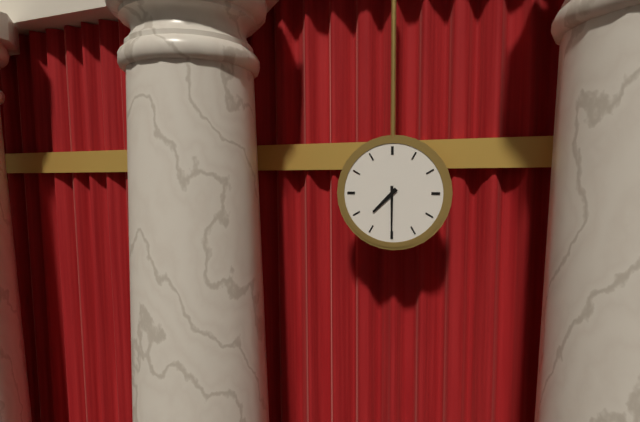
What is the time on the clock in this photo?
7:30
